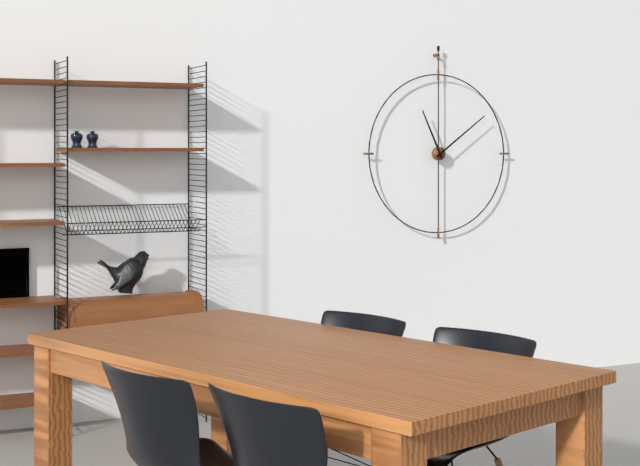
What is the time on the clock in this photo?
11:09
